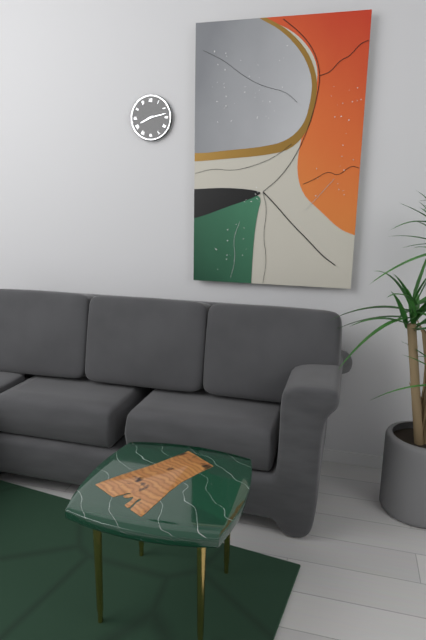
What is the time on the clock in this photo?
8:13
